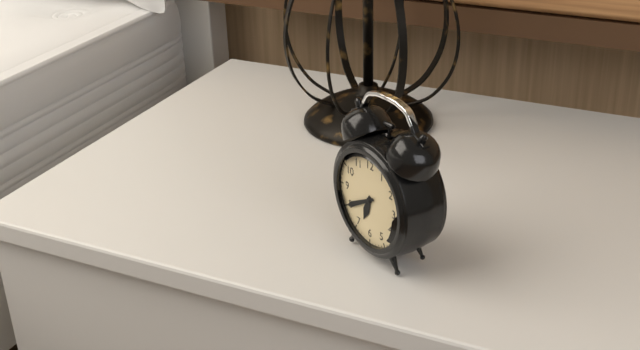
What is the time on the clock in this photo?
6:40
